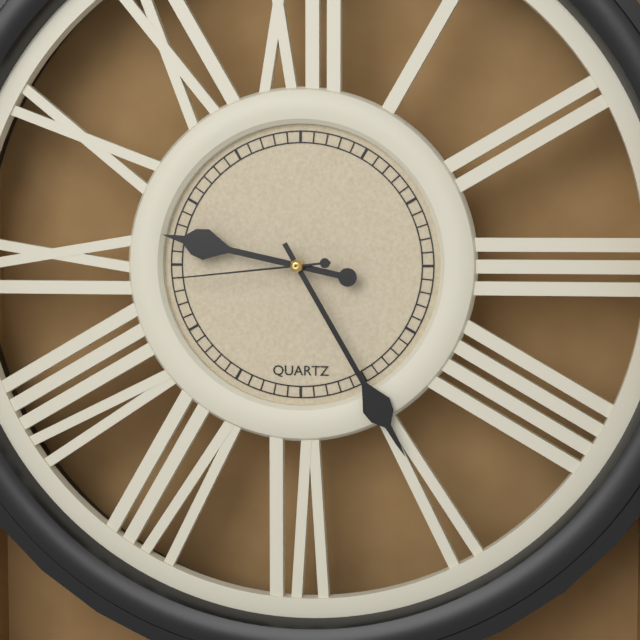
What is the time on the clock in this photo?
9:25:44
